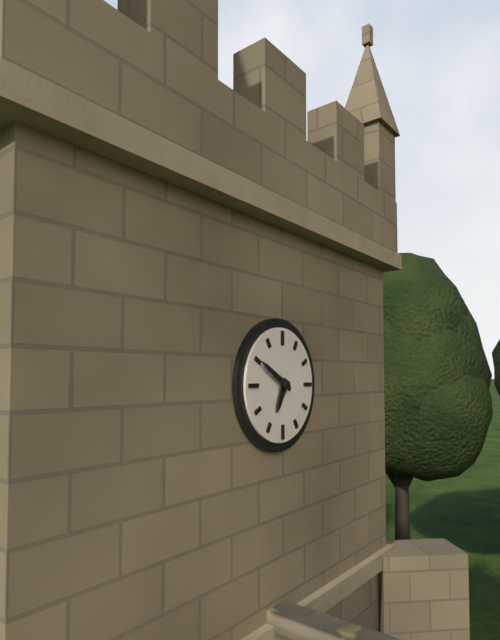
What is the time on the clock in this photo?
6:50
